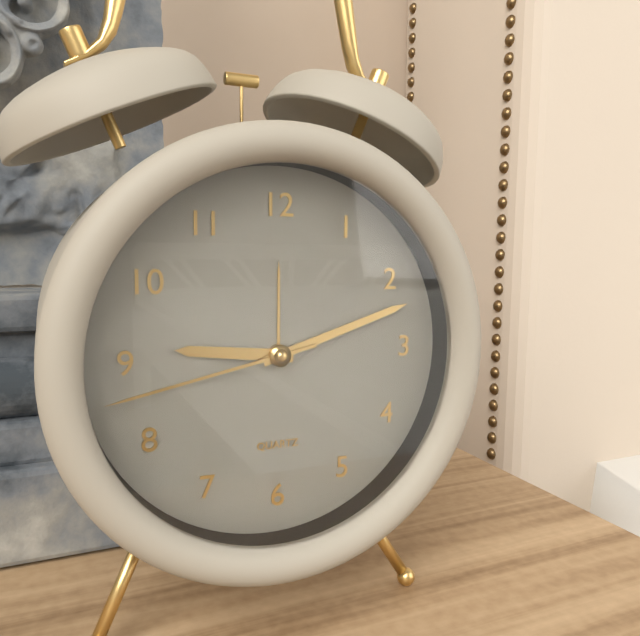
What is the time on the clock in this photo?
9:12:43
